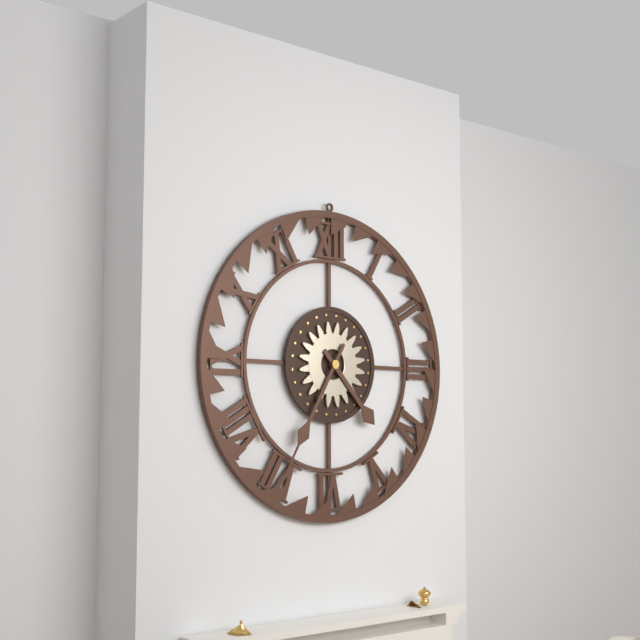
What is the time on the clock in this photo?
4:35
